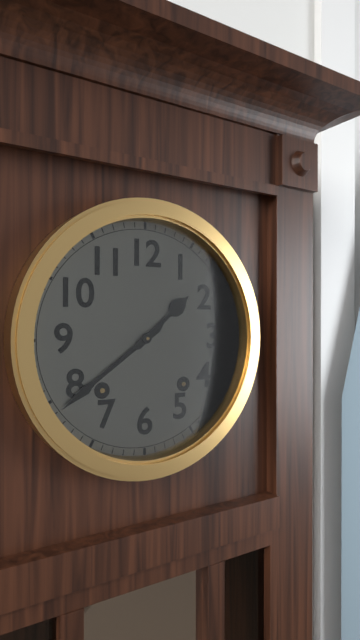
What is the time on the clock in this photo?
1:39
